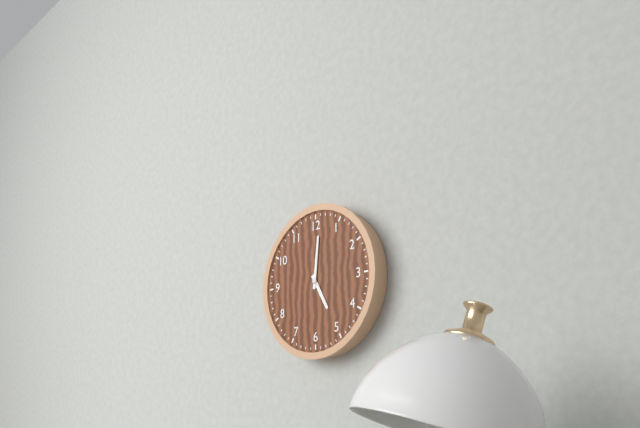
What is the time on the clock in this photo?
5:01
